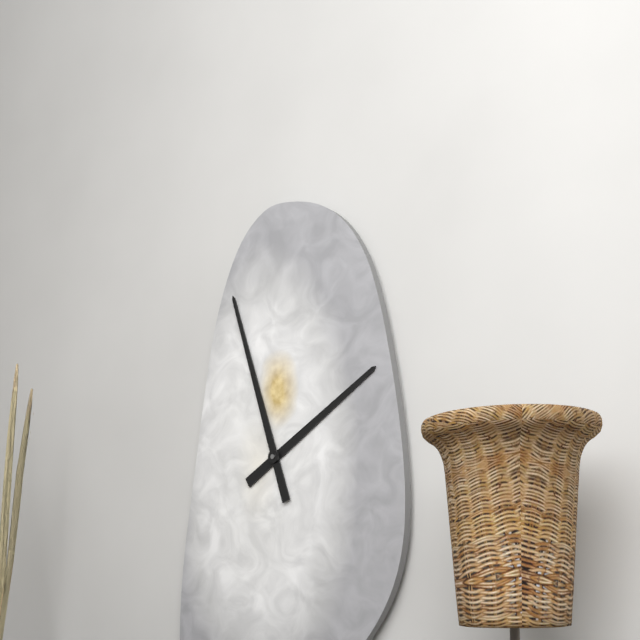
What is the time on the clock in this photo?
1:57
